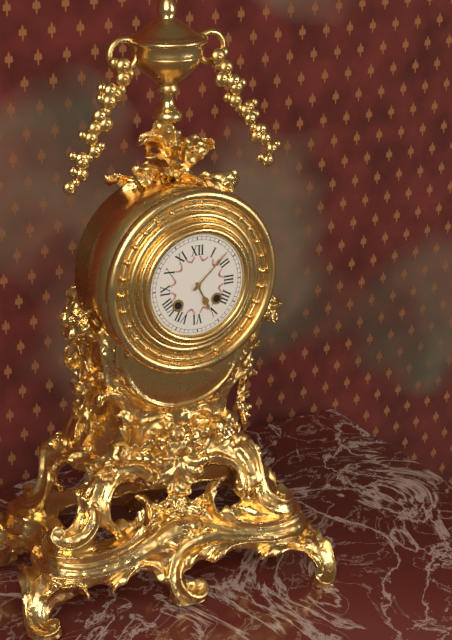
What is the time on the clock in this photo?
5:08
